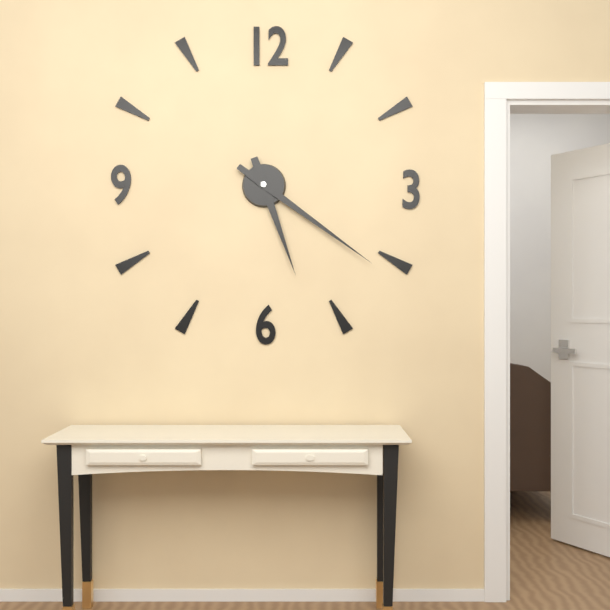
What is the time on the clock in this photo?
5:21
